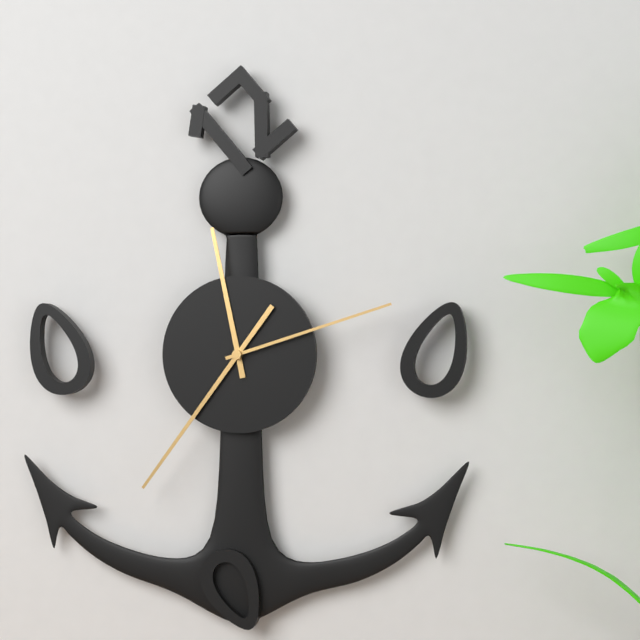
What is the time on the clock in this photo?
11:36:12
